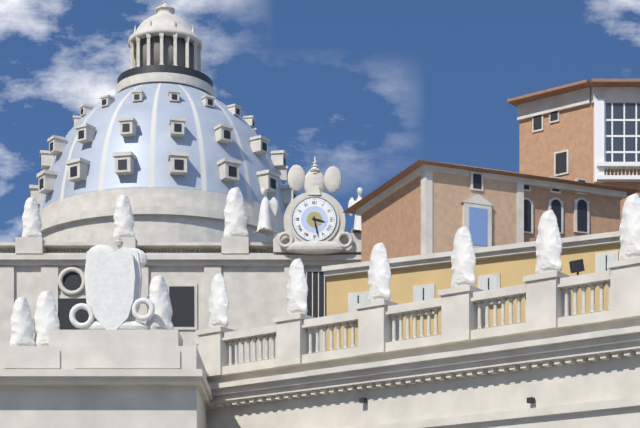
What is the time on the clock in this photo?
3:28
